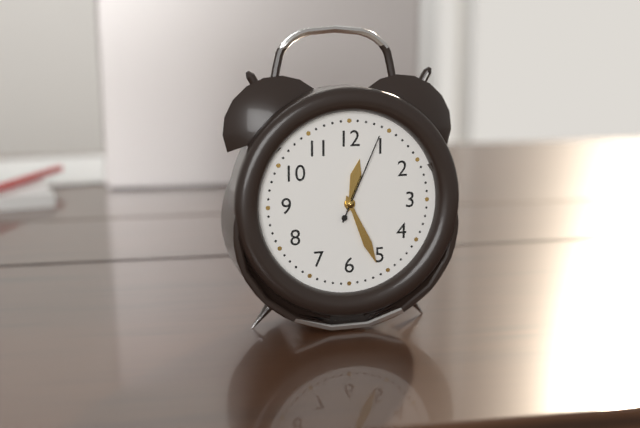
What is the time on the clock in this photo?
12:26:04
